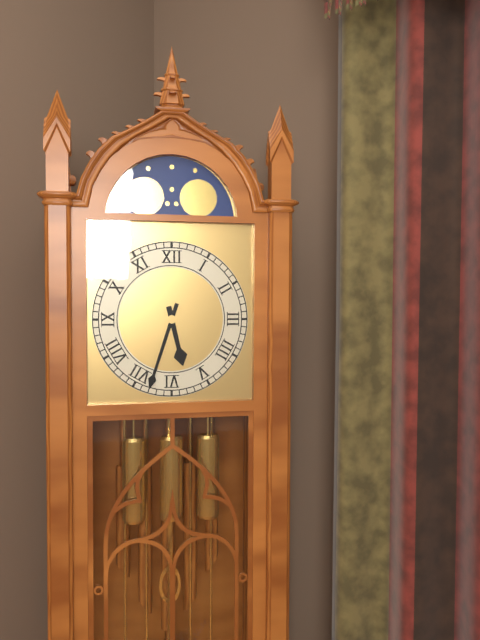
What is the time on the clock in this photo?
5:33
